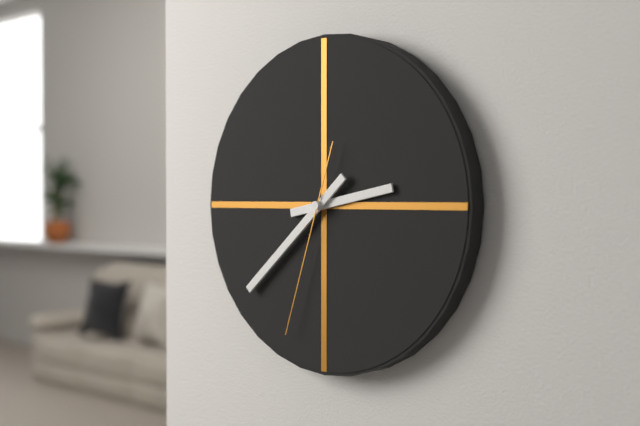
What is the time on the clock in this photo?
2:38:33
